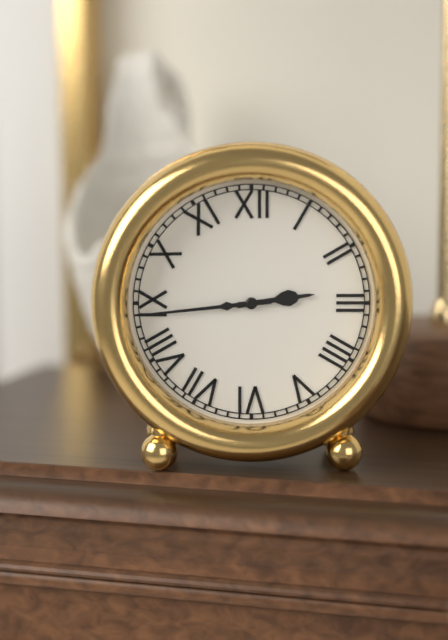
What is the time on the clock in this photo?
2:44
